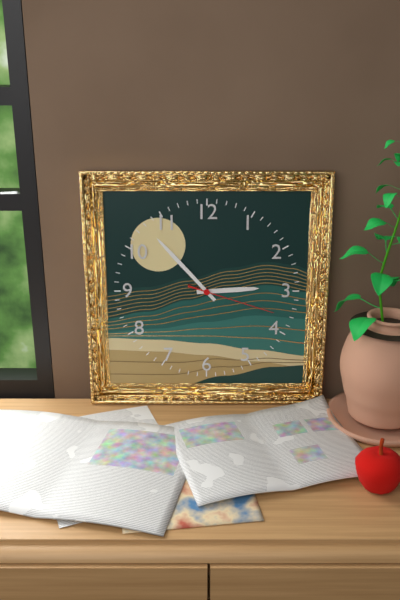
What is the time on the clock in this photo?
2:53:18
